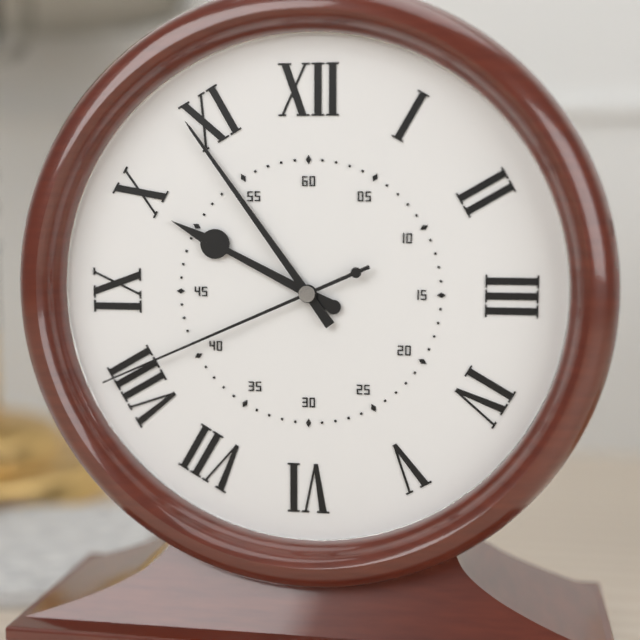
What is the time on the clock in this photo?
9:54:41
